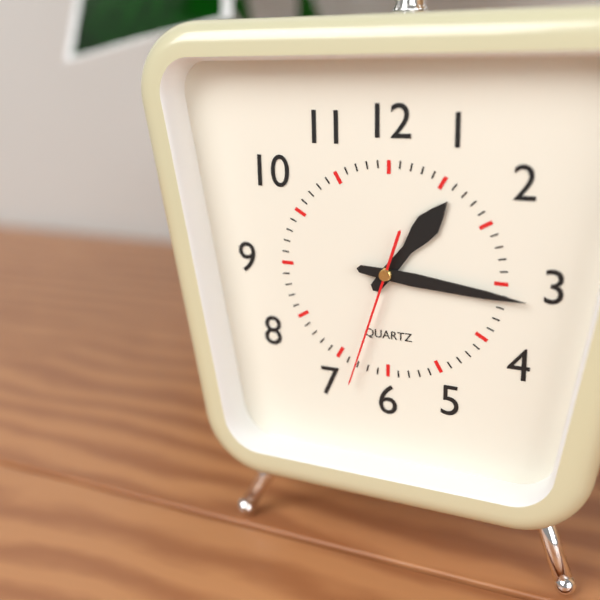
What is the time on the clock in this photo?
1:16:33
